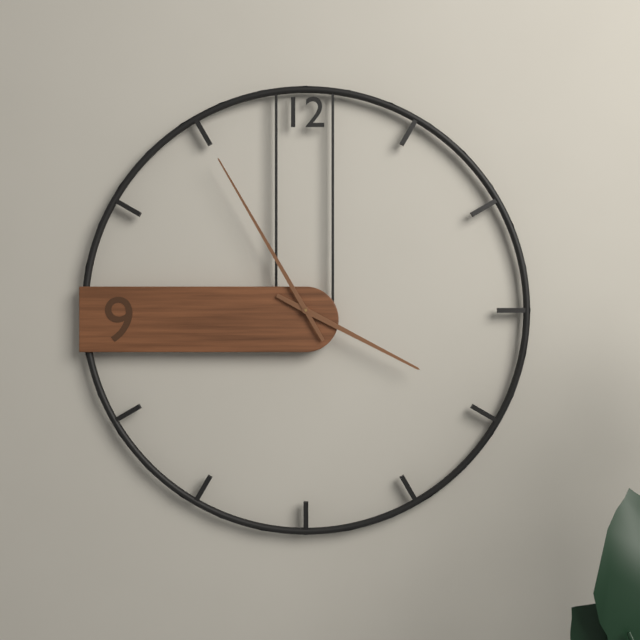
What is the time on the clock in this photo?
3:55
